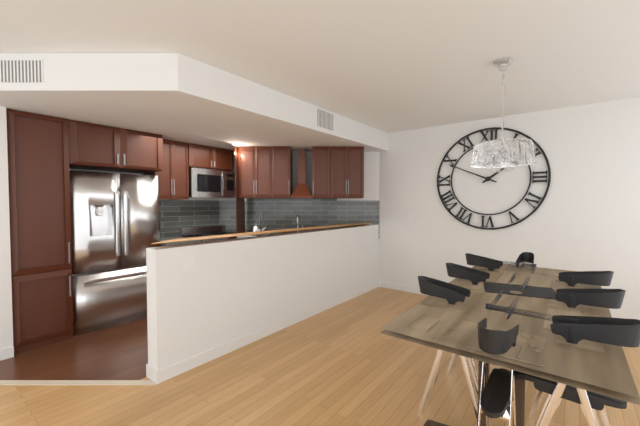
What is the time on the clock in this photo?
1:49
